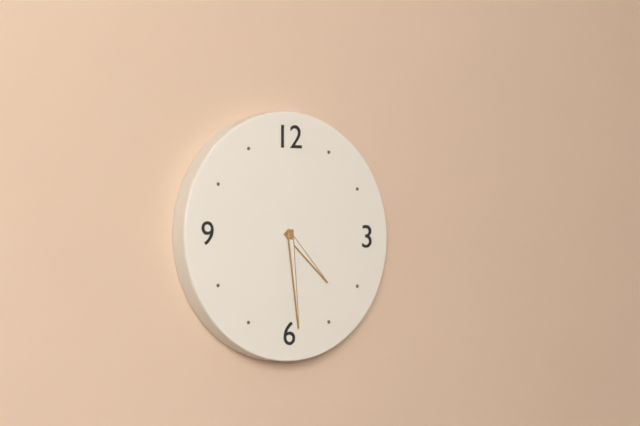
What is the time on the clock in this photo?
4:29
